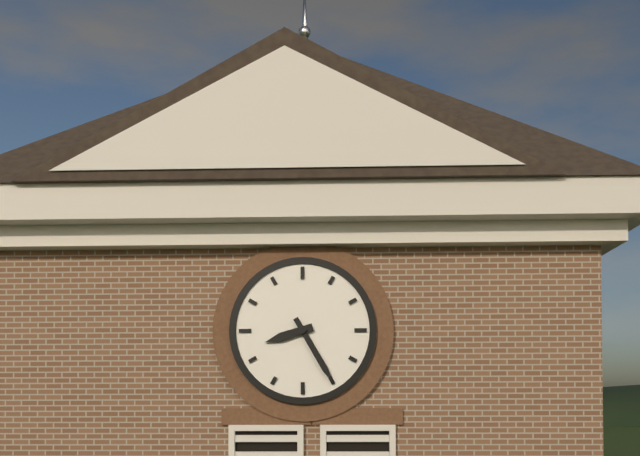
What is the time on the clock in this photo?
8:25
